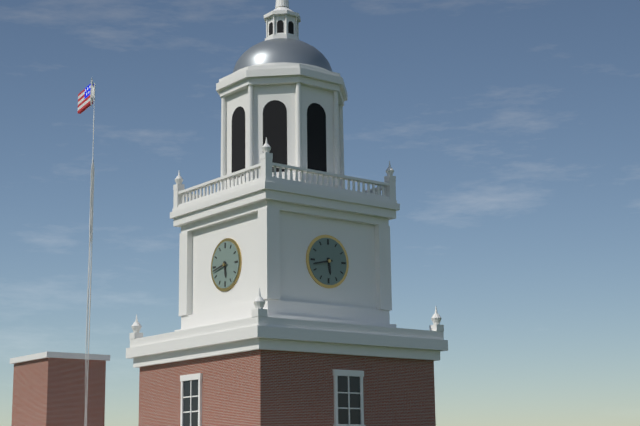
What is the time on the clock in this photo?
5:43
